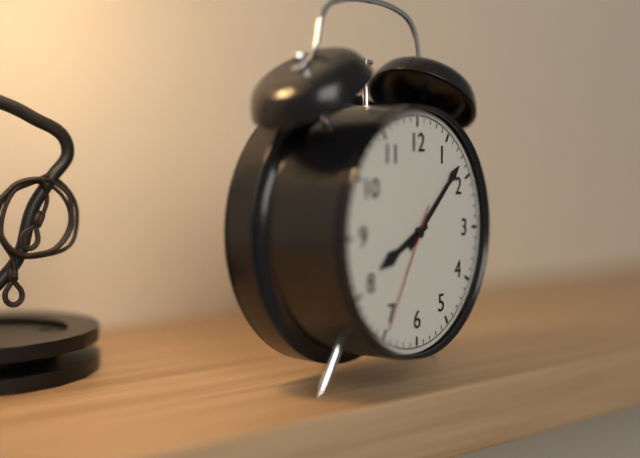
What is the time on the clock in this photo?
8:08:35
